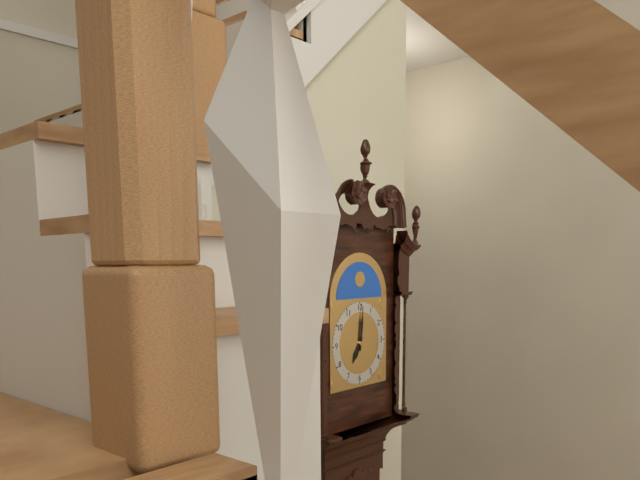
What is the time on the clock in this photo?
7:01
